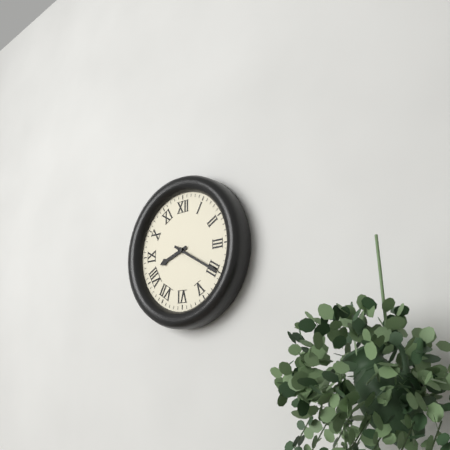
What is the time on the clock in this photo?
8:20
